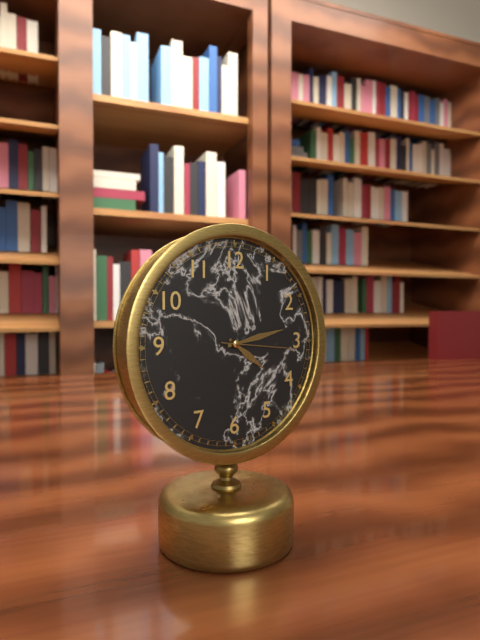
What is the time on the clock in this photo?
4:13:16
